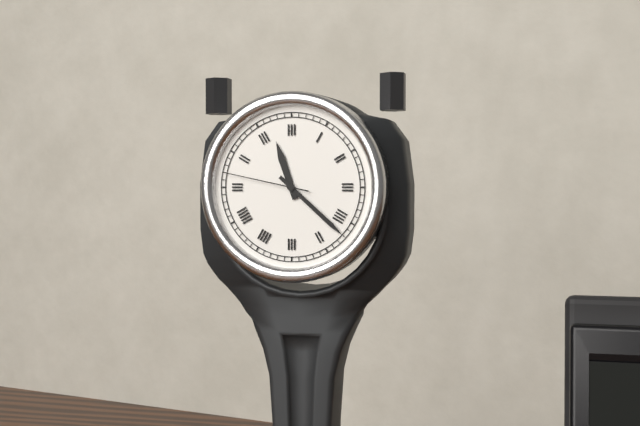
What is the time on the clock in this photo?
11:22:47
